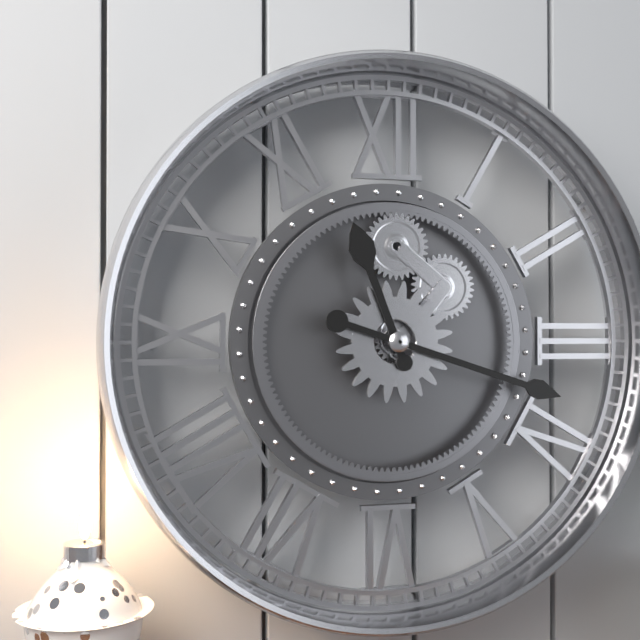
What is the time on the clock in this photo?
11:18
